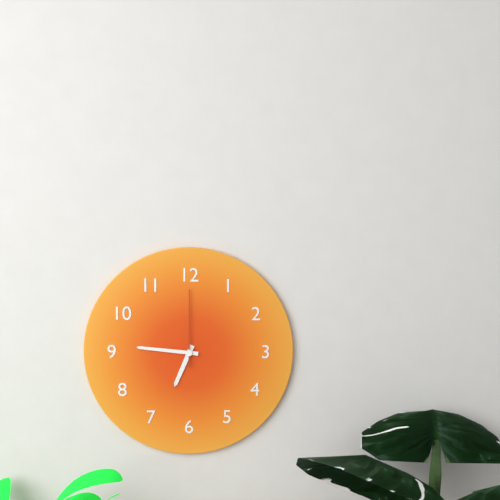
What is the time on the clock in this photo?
6:46:00
